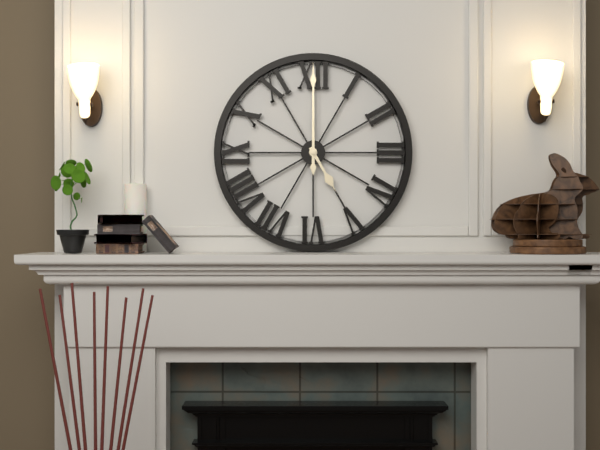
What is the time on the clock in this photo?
5:00
